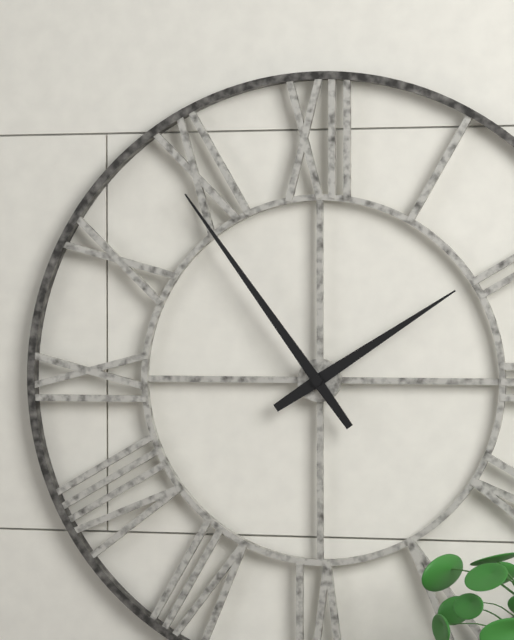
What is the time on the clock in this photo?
1:54
